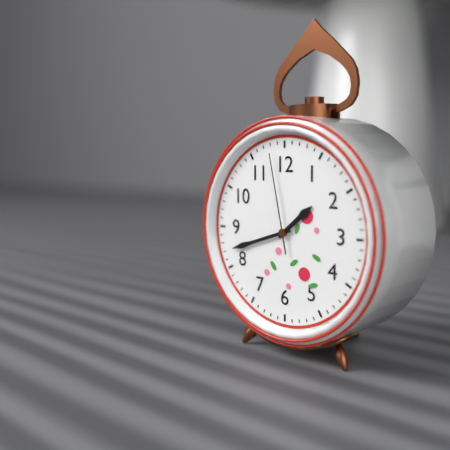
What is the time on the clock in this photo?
1:42:58
